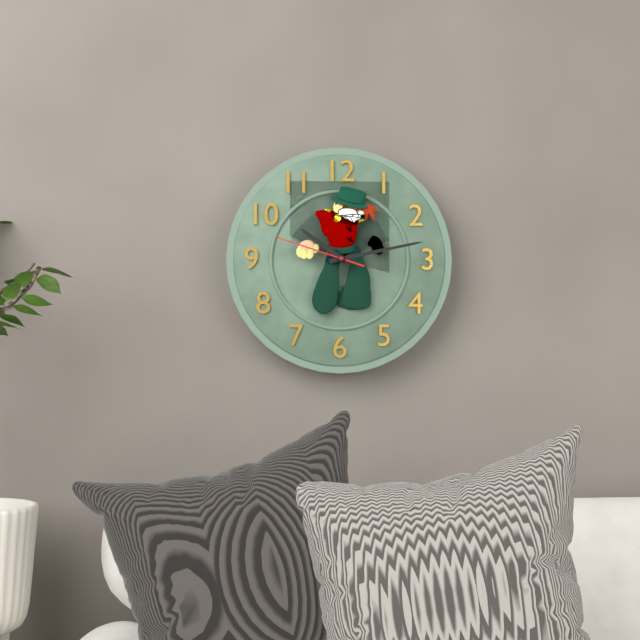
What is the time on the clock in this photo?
10:13:48
